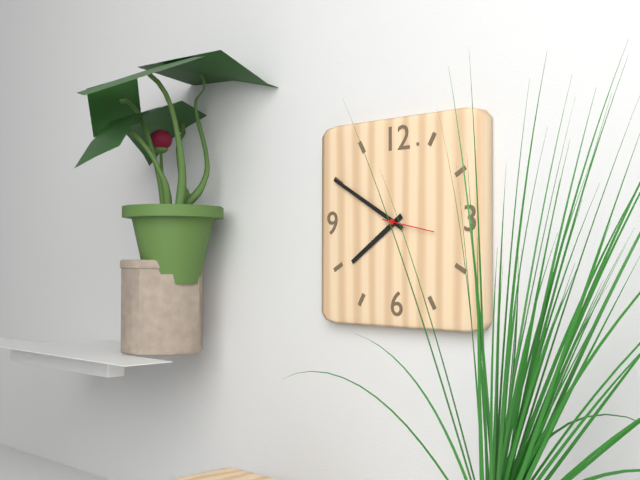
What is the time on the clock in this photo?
7:50:17
